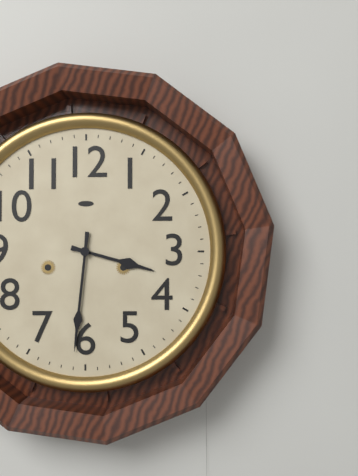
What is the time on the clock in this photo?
3:31
